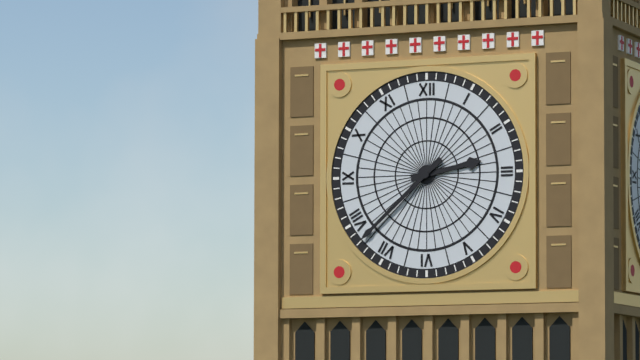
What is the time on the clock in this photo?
2:38
